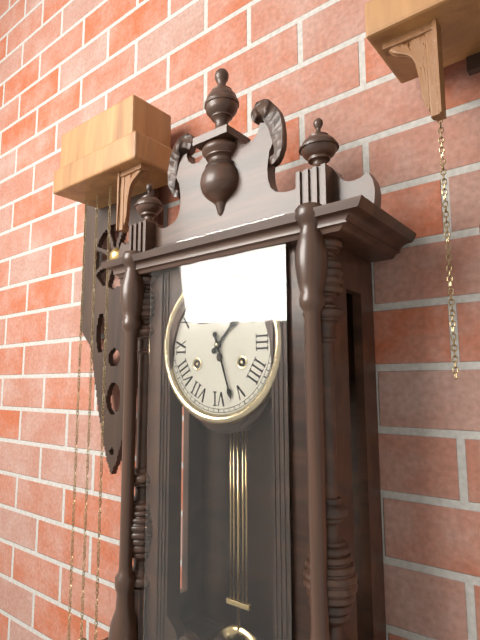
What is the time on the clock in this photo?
1:27
